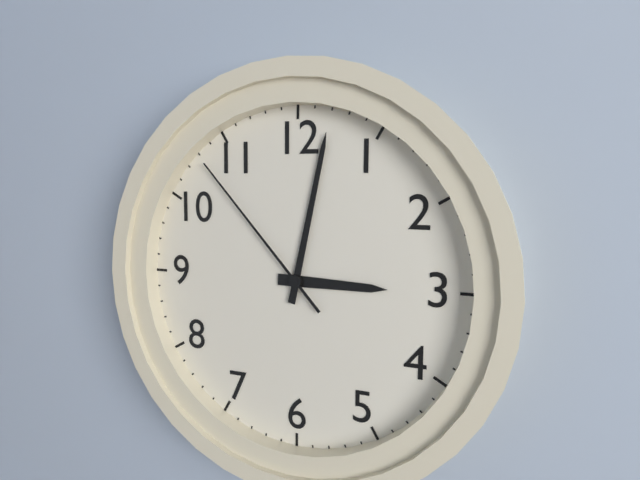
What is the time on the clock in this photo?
3:02:53
